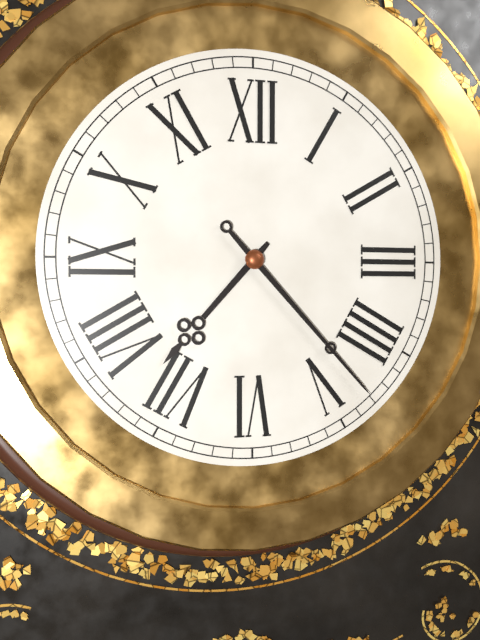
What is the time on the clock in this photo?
7:23
